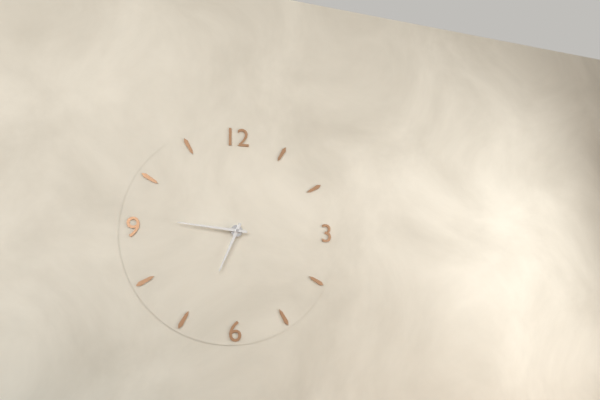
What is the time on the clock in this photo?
6:46
